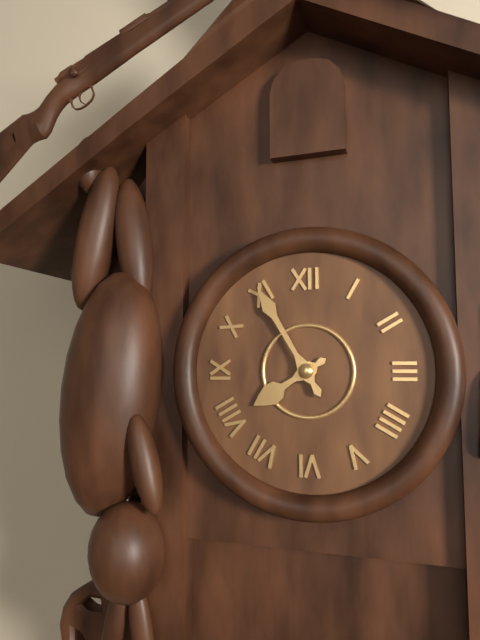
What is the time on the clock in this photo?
7:55
